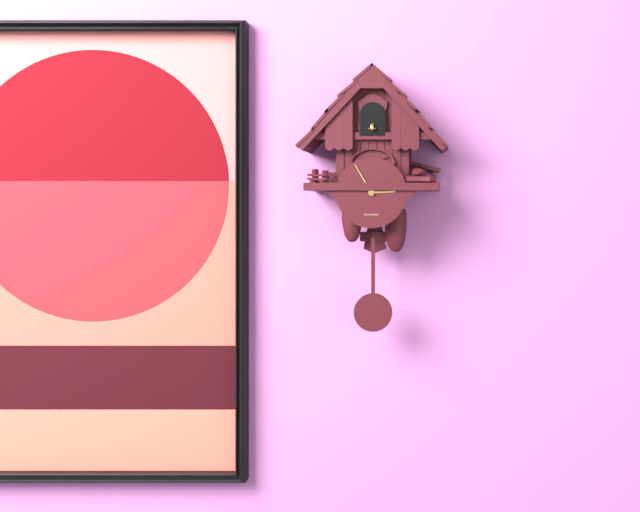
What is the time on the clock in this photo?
2:55
